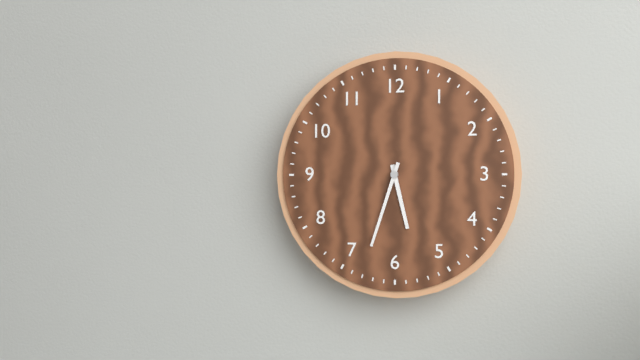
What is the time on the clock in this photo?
5:33
